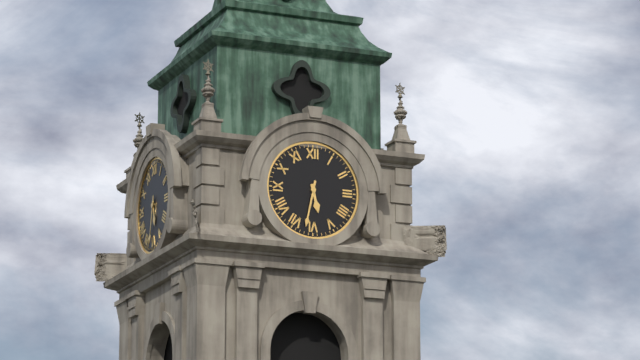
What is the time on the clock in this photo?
5:32
